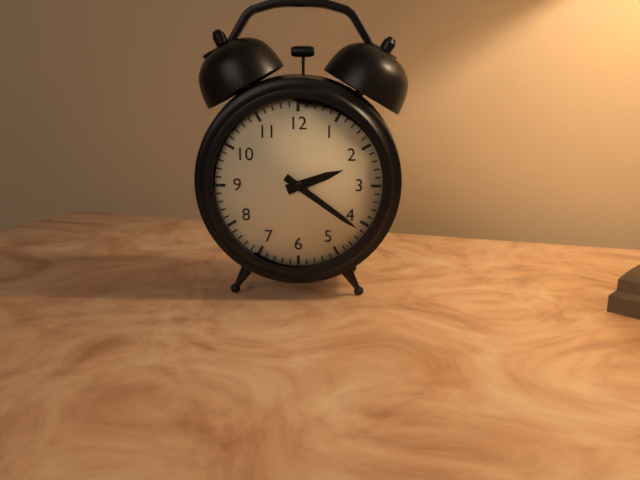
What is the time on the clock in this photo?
2:21
